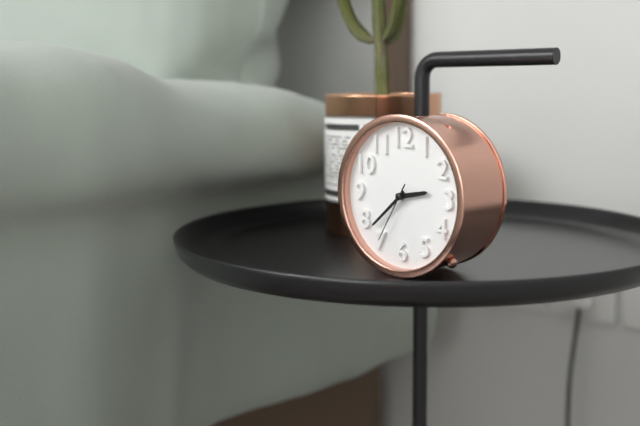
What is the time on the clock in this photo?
2:38:35
